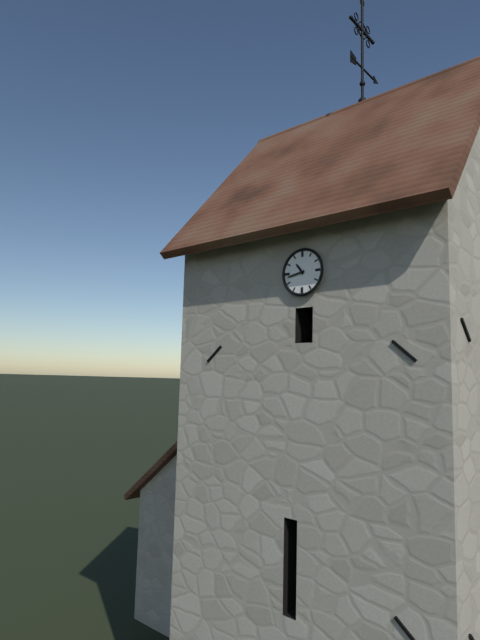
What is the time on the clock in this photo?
10:43
